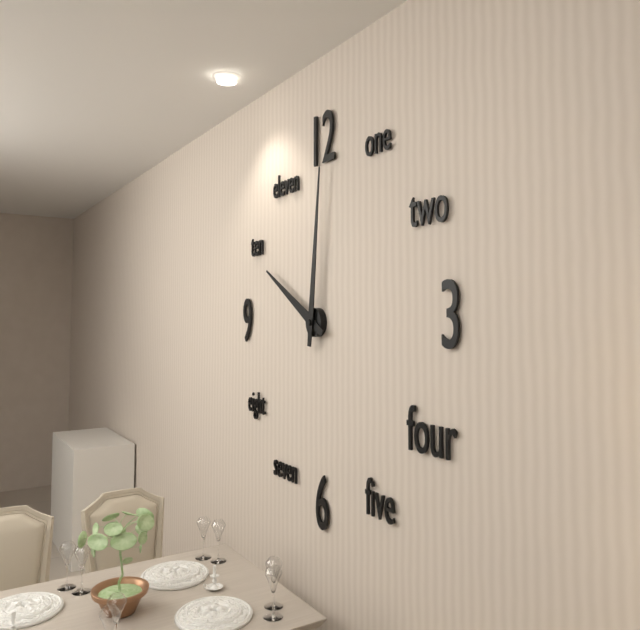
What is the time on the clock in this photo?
10:01
